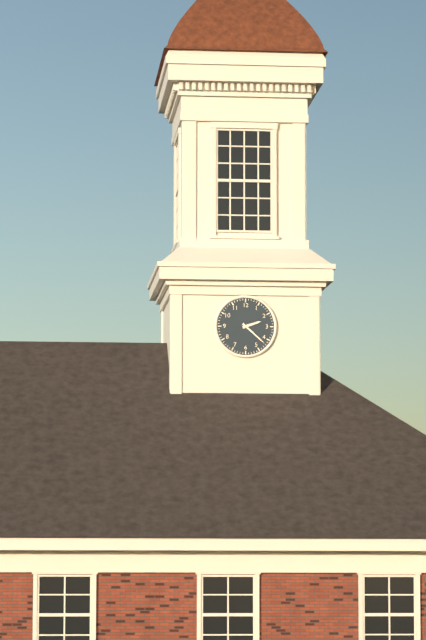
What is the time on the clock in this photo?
2:22
